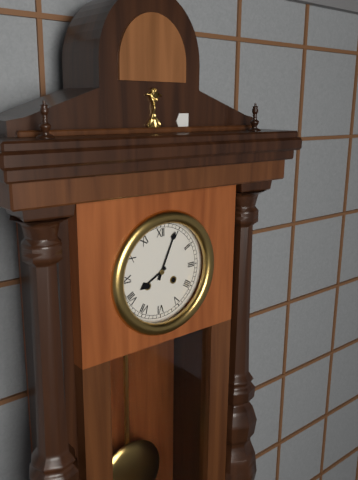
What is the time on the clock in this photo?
8:04
